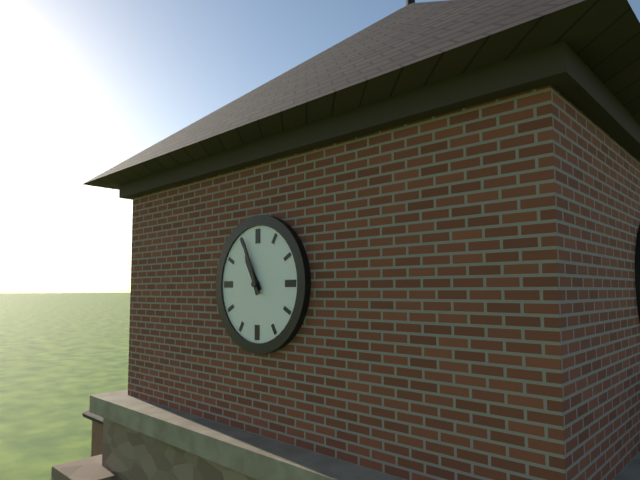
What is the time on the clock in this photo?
10:56
